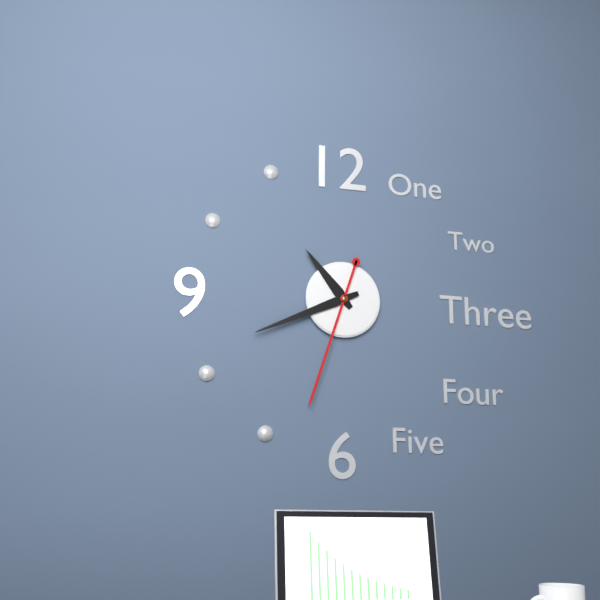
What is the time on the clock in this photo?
10:41:33
